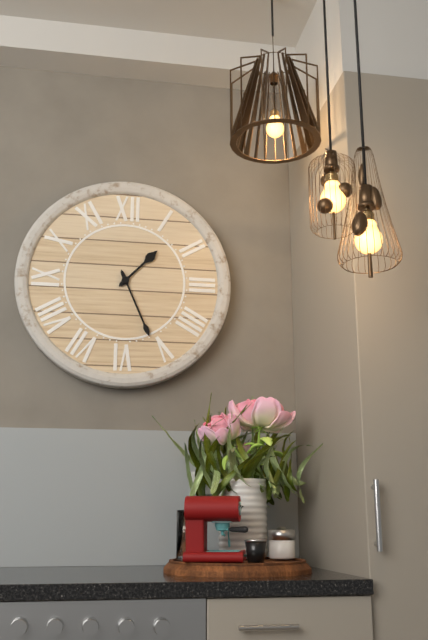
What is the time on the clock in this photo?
1:26
